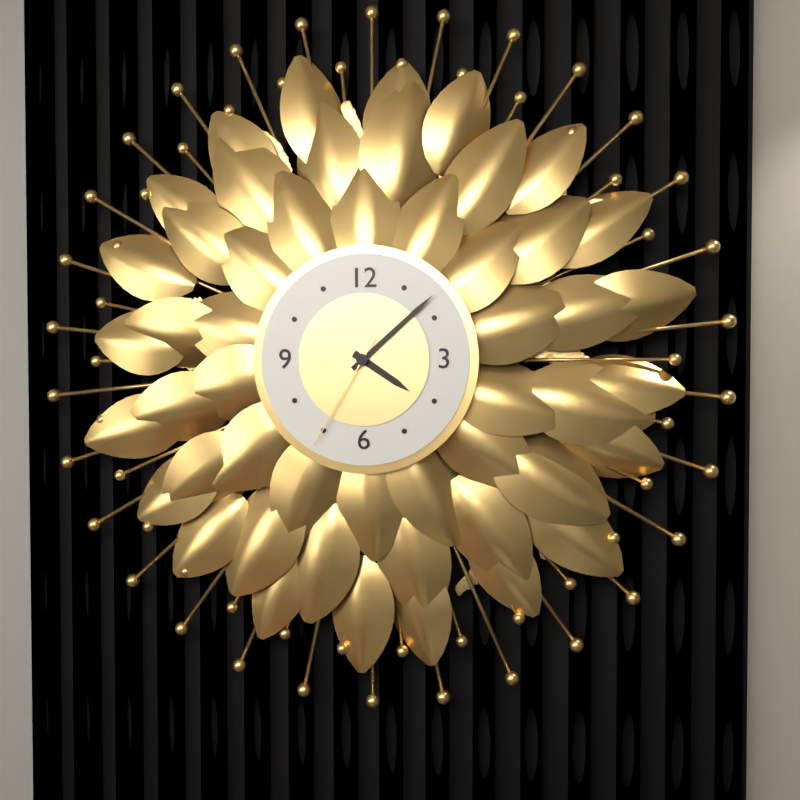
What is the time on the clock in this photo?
4:08:35
